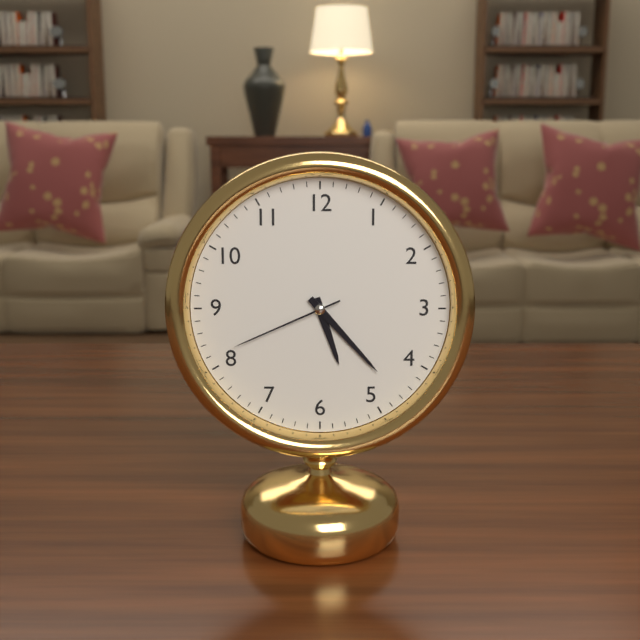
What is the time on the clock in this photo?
5:23:41
